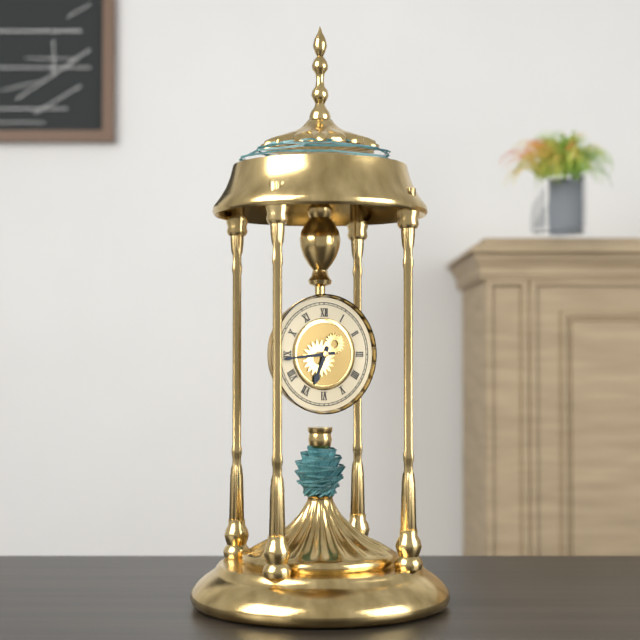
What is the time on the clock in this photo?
6:44
